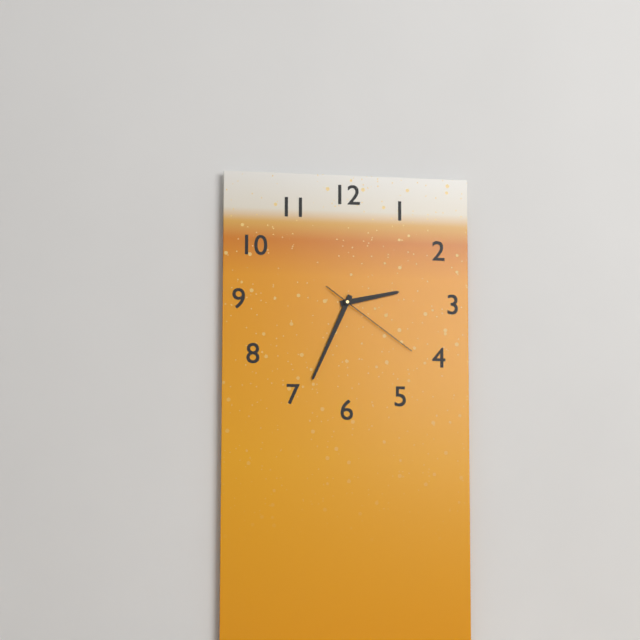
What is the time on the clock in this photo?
2:34:21
